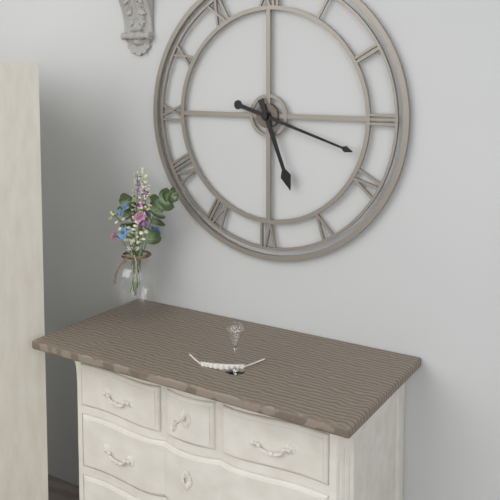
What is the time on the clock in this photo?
5:18
